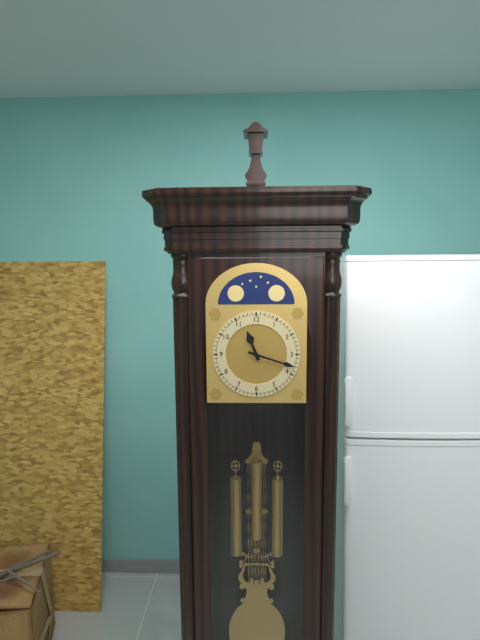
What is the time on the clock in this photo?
11:18
